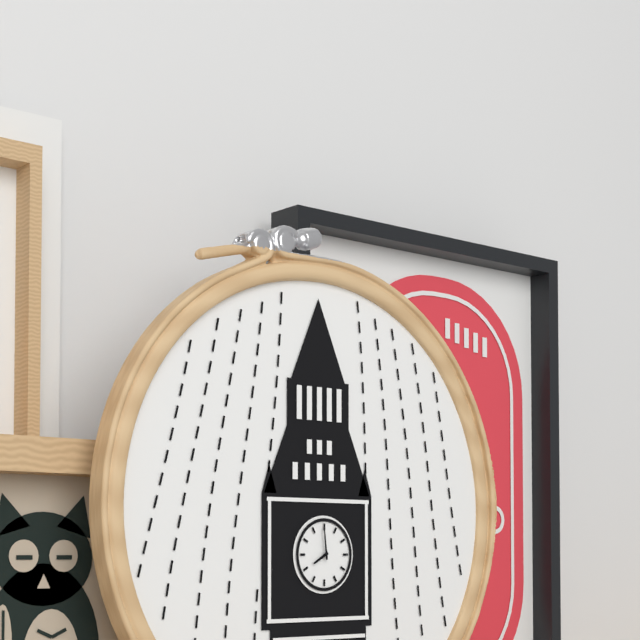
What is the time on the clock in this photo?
7:59
